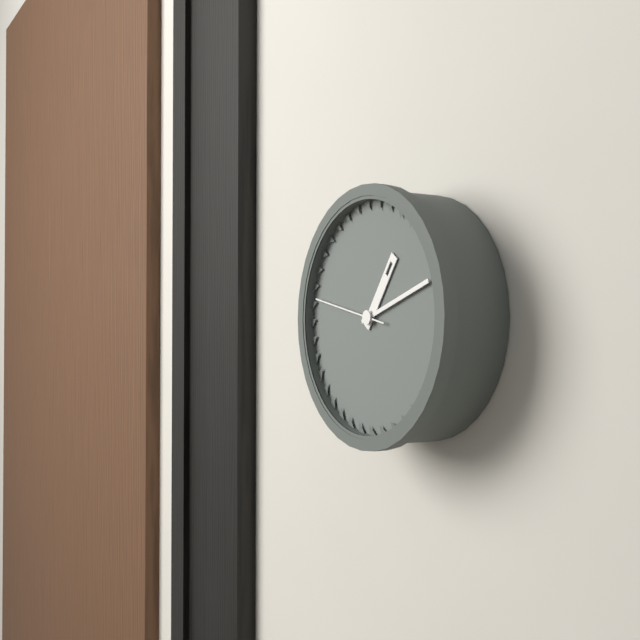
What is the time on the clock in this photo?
1:12:47
